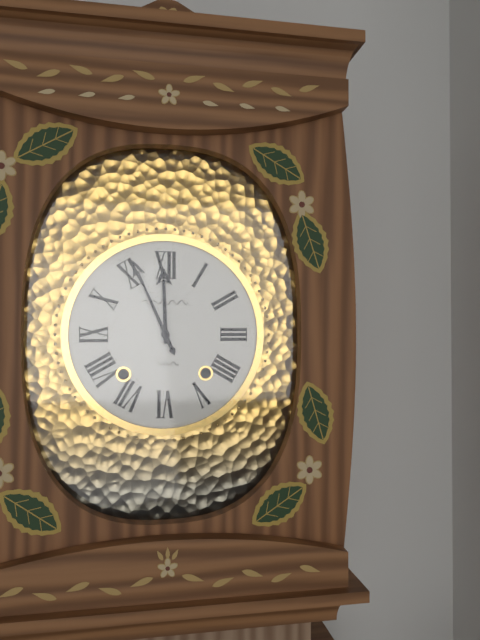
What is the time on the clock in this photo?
11:56
